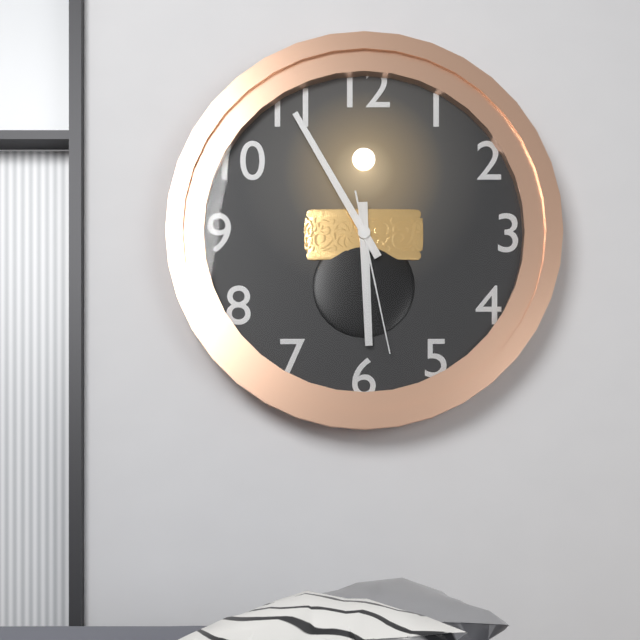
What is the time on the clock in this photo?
5:55:28
